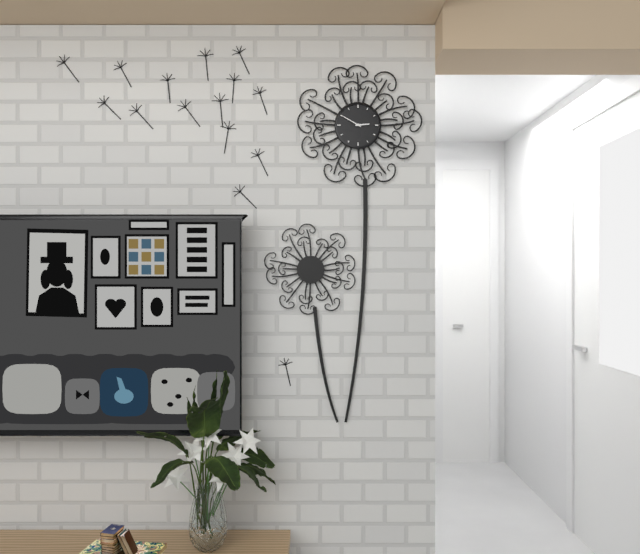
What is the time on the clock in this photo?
2:50
